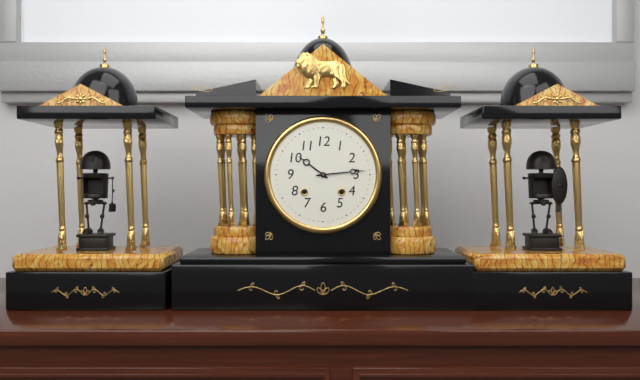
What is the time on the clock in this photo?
10:14
